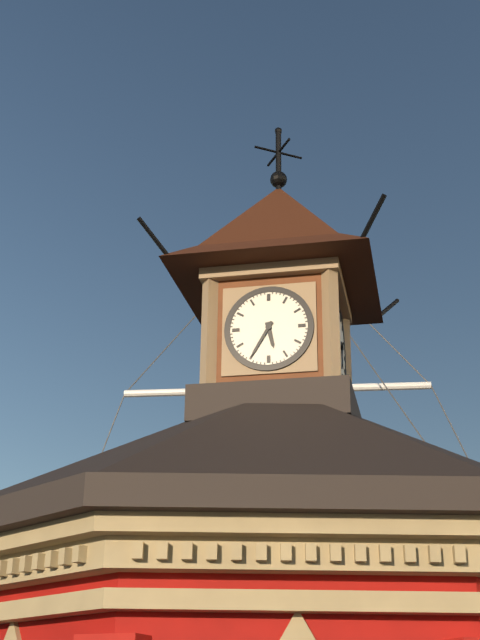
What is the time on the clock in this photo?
5:35
